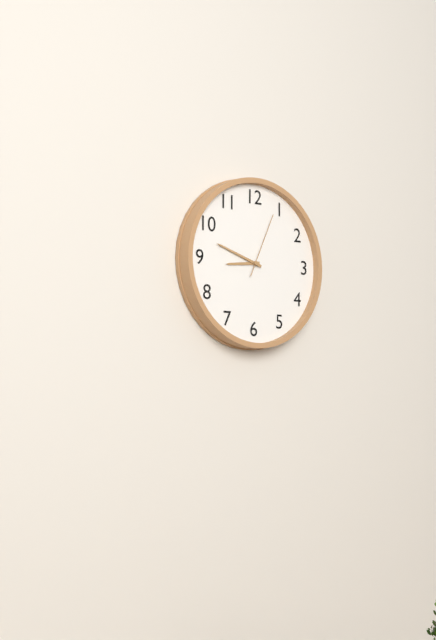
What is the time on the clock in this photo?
8:48:04
